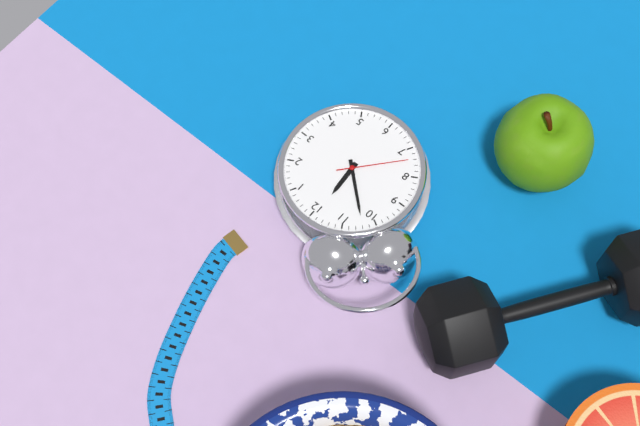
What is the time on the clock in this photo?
11:52:37
